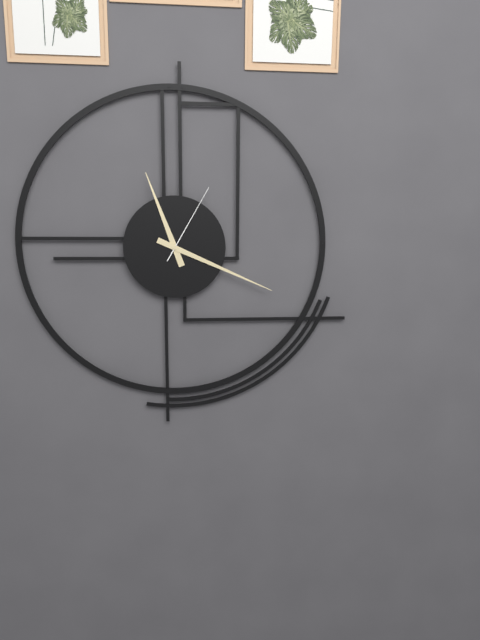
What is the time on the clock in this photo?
11:19:05
